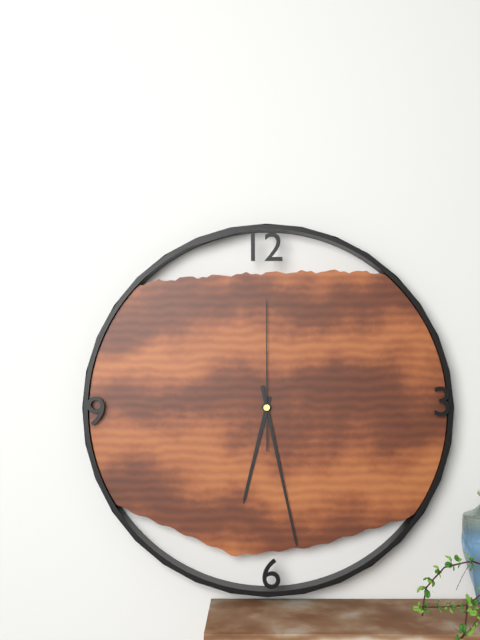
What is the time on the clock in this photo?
6:28:00
